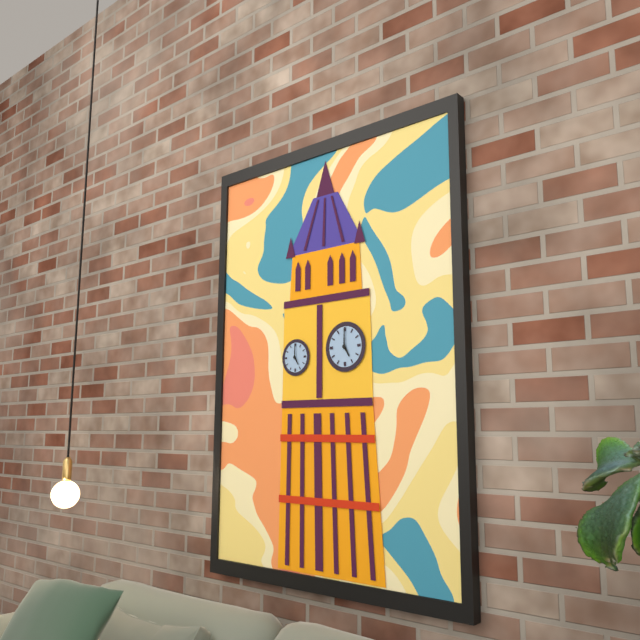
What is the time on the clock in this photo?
5:00
